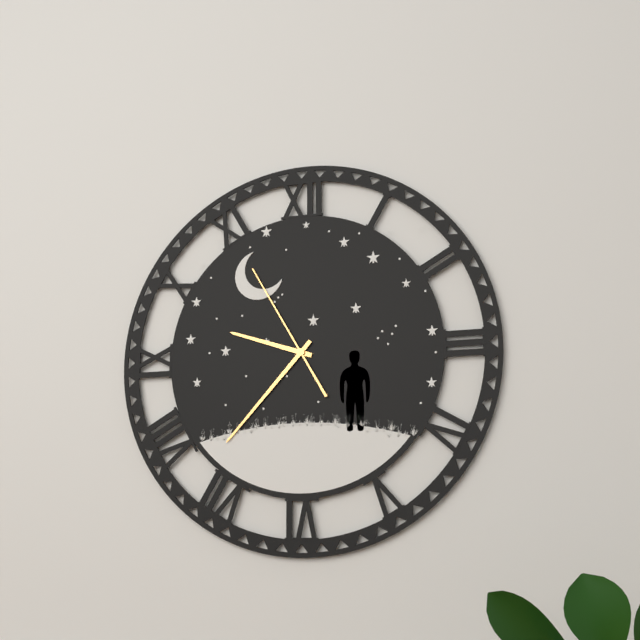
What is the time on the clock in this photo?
9:37:55
